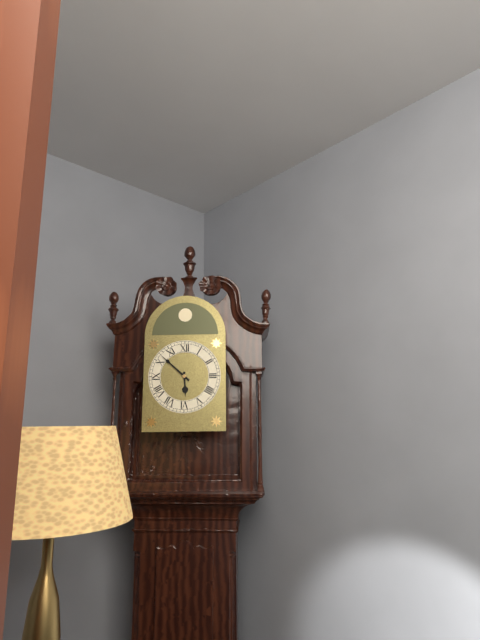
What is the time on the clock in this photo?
5:52
